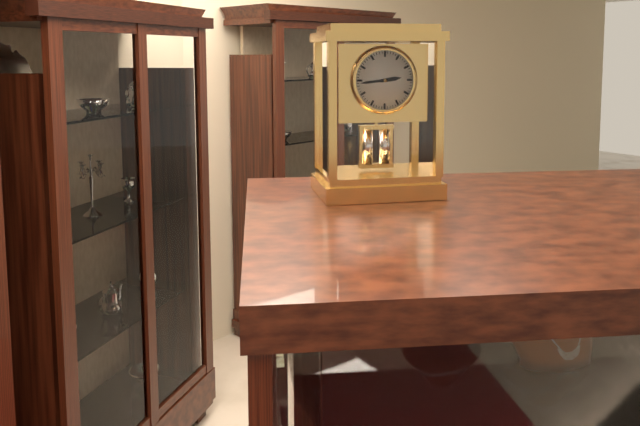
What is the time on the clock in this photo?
2:44
